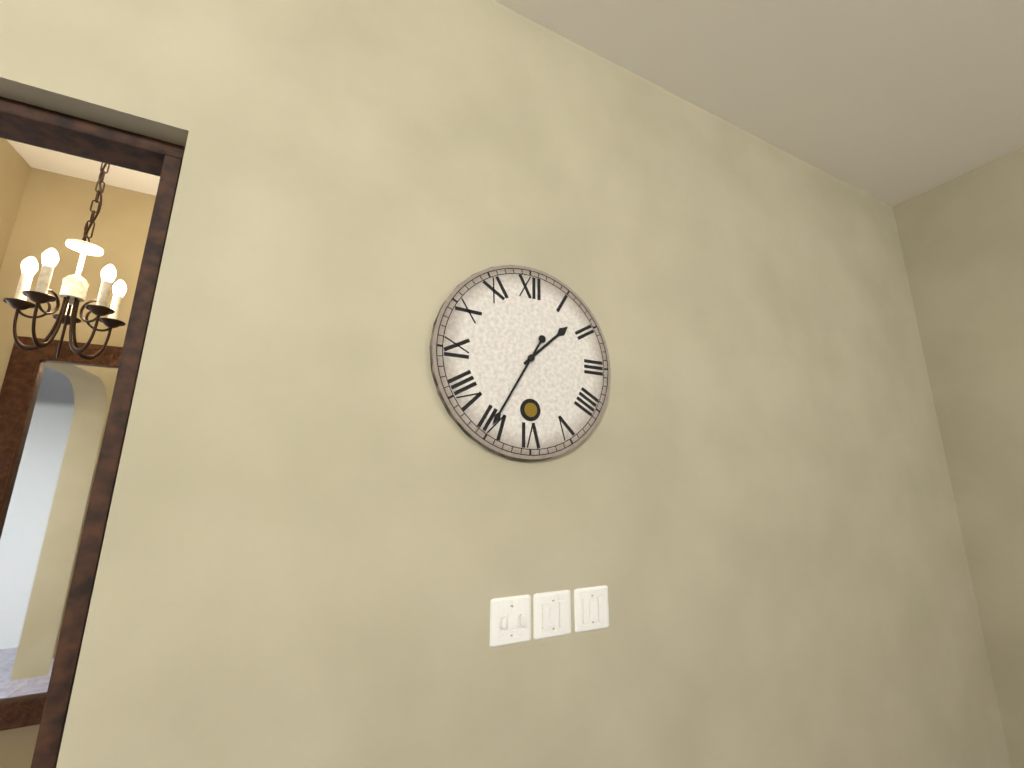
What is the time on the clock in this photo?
1:35
